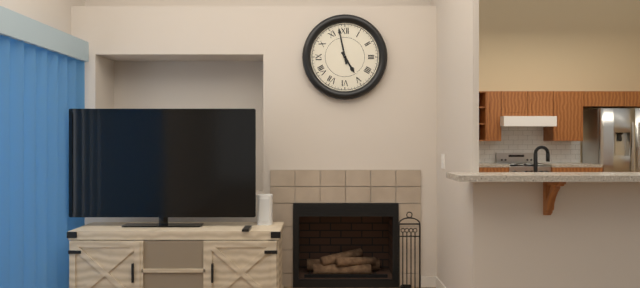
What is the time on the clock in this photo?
4:58
